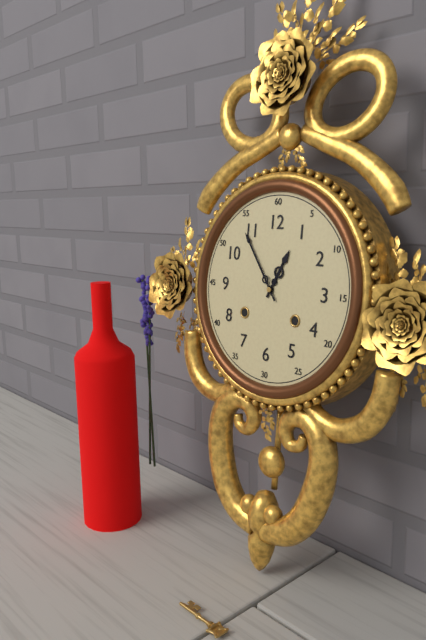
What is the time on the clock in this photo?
12:54
